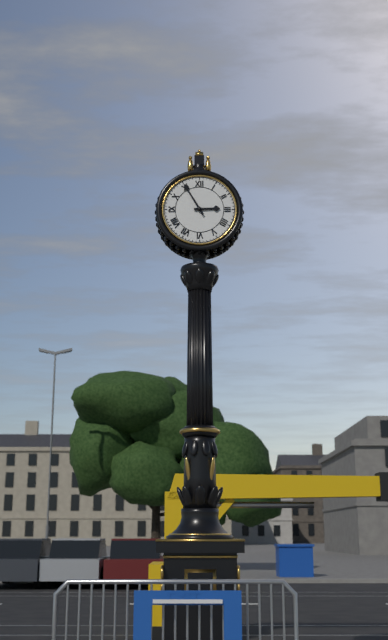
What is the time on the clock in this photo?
2:55
